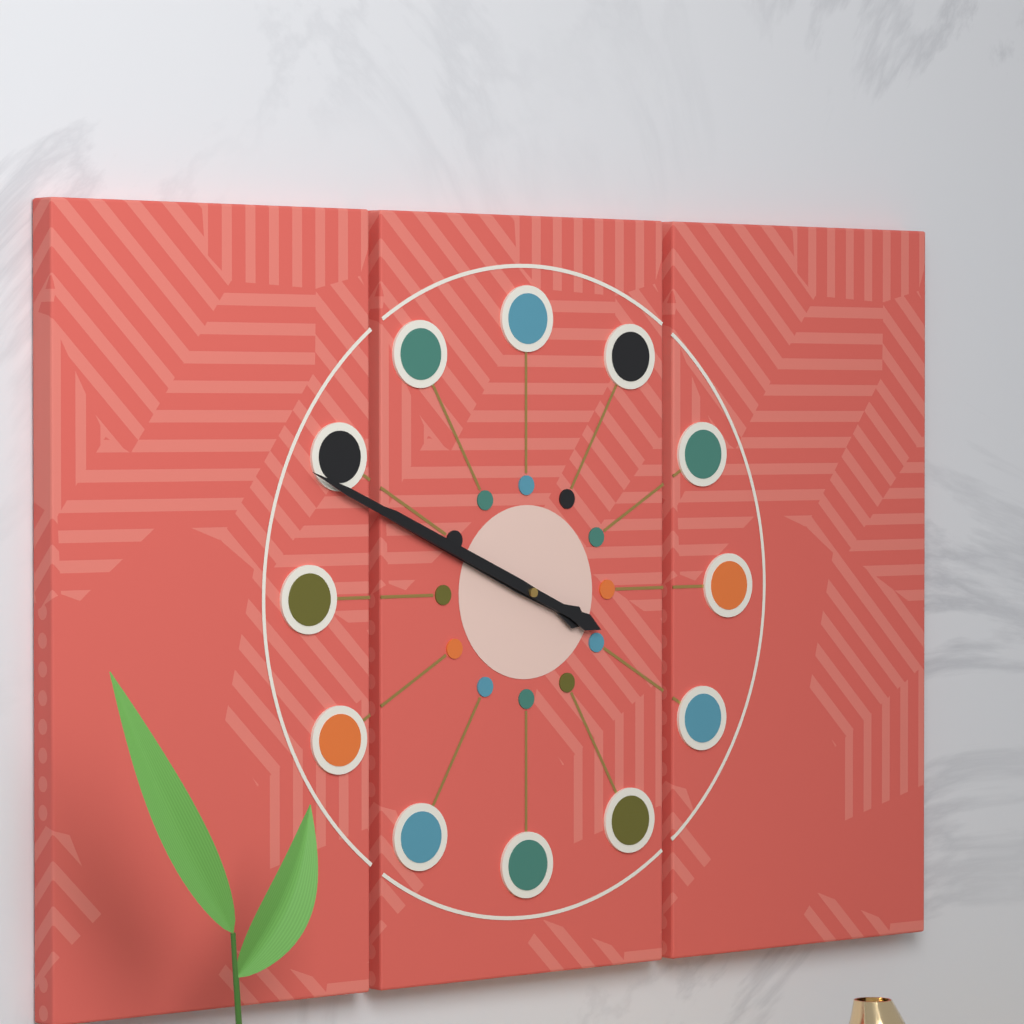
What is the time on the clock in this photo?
9:49
